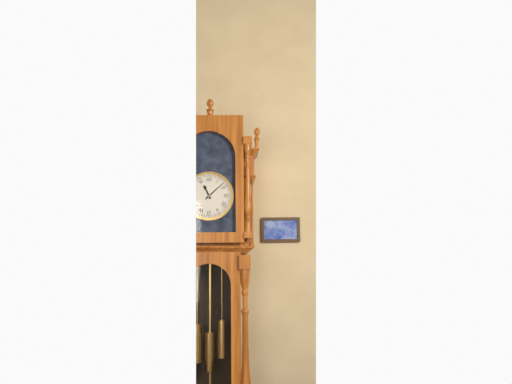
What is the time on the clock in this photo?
11:08
